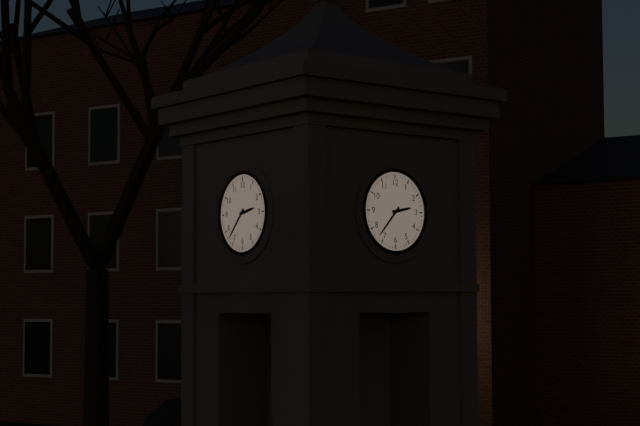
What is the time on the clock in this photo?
2:37
